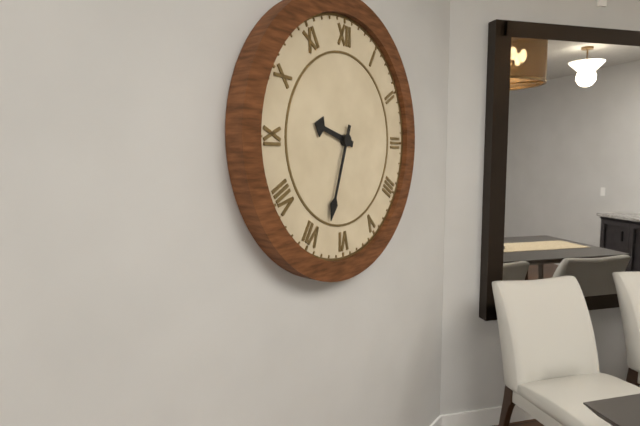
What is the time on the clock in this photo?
9:33
